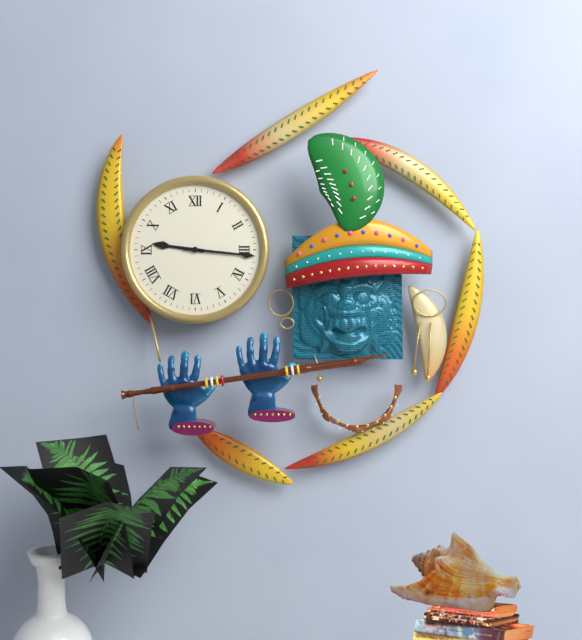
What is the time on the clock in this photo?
9:16
